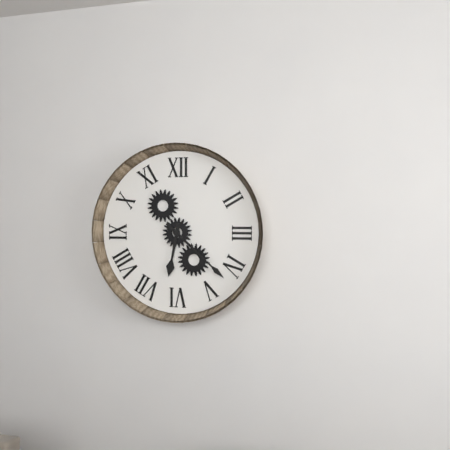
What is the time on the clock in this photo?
6:22
